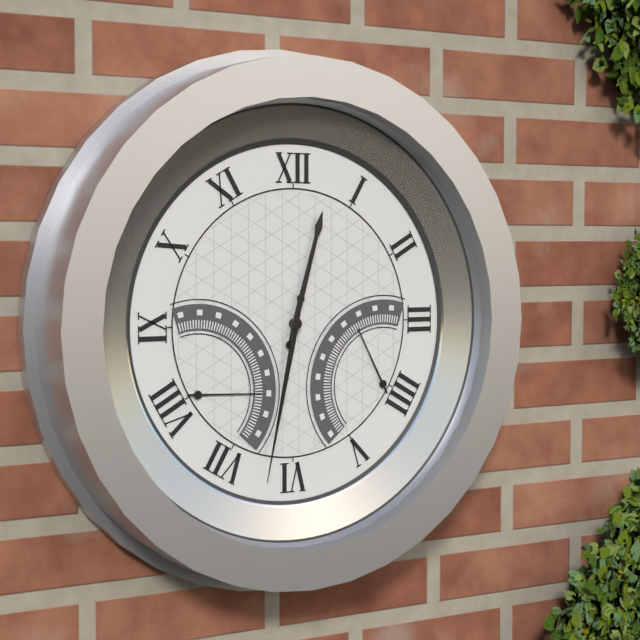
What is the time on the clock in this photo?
12:32
